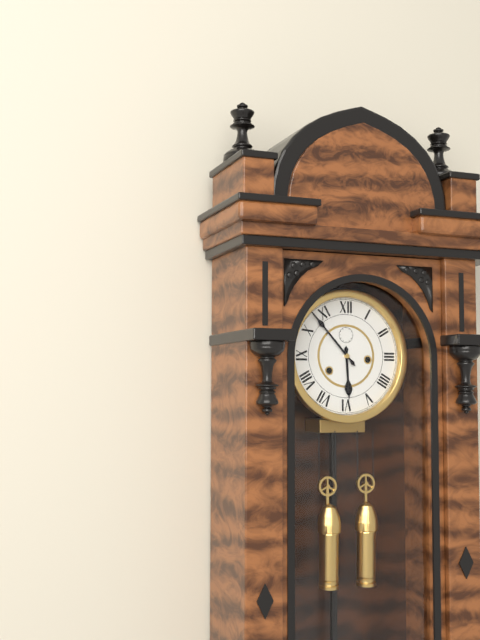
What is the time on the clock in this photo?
5:53
